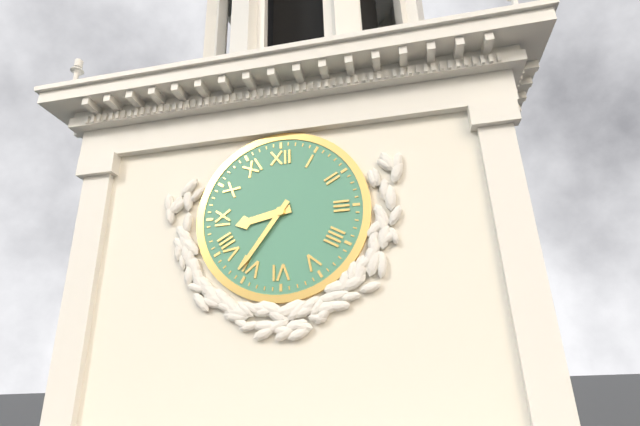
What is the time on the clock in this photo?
8:36
